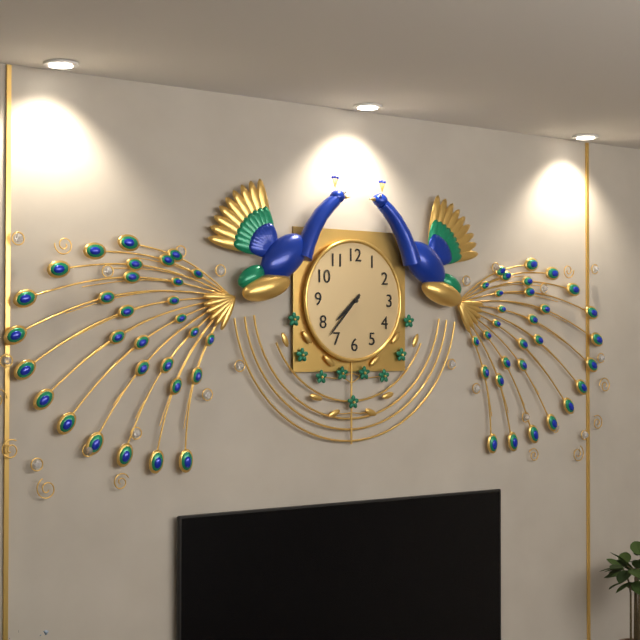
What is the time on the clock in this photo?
7:37
